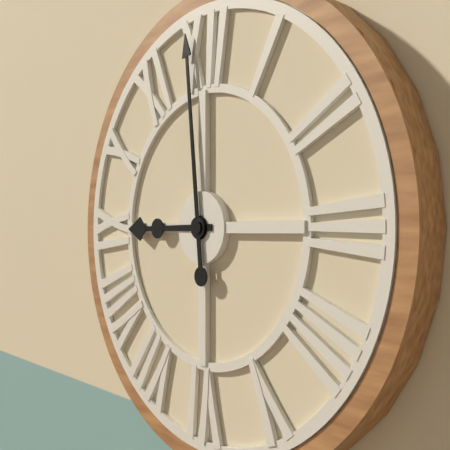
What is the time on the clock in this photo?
8:59
